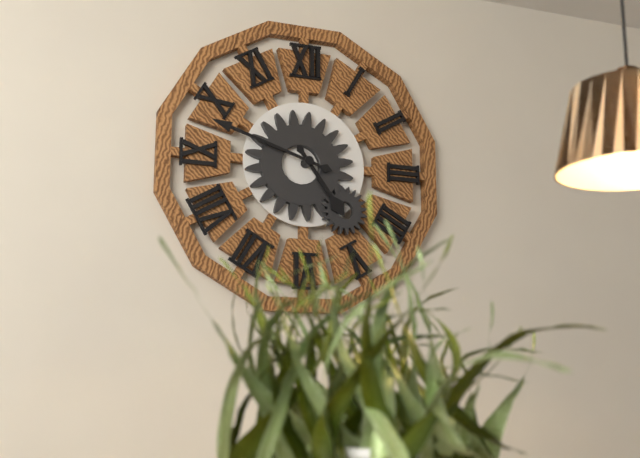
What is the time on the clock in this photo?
4:48
